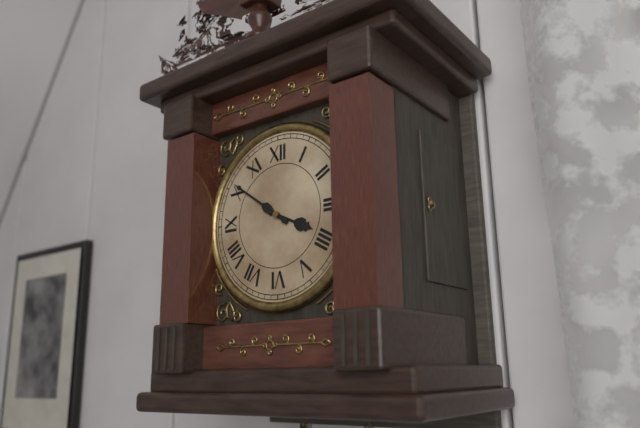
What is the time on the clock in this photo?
3:51
